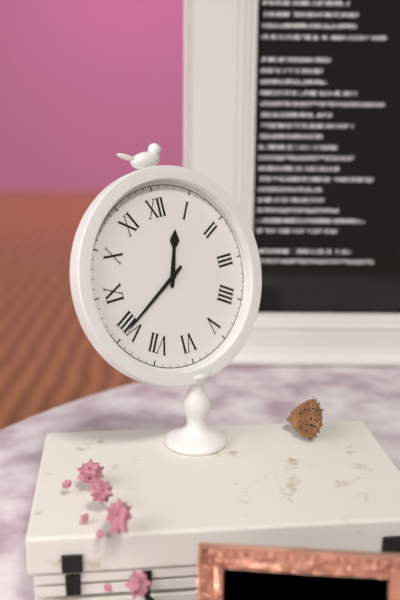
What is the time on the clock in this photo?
12:40
